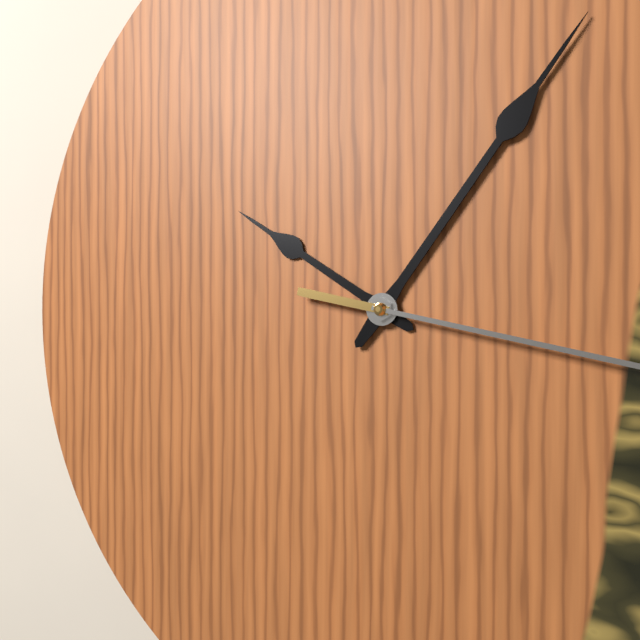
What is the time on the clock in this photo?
10:06
